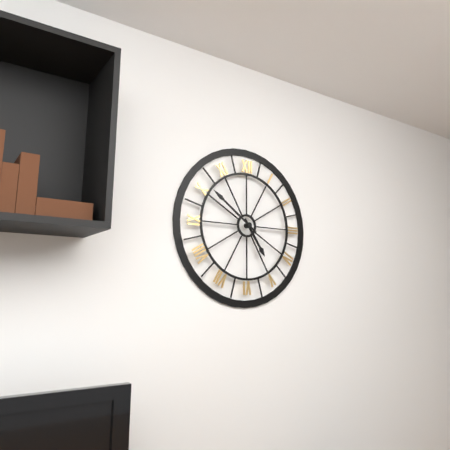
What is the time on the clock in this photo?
4:51
